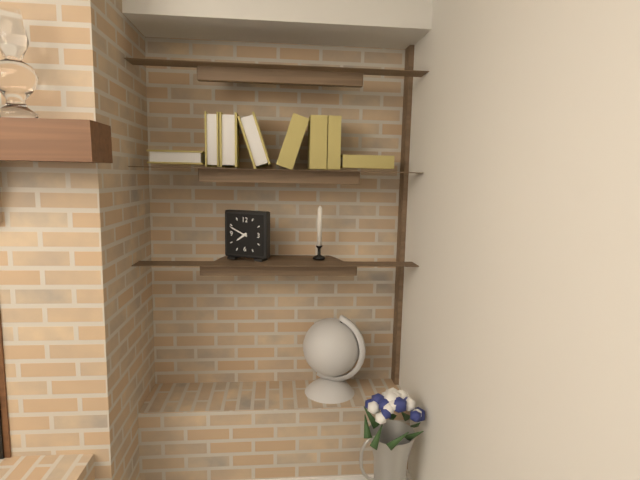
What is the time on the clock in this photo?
7:49
